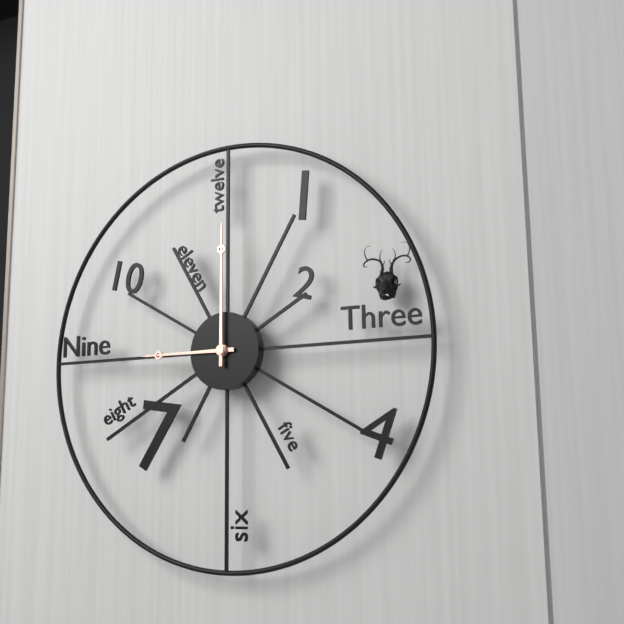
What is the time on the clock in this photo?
9:00
